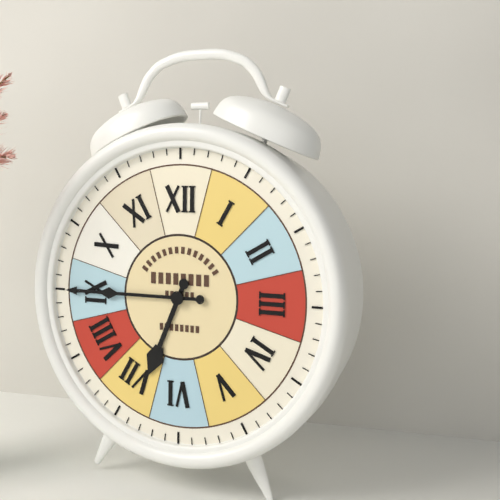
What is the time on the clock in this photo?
6:45
